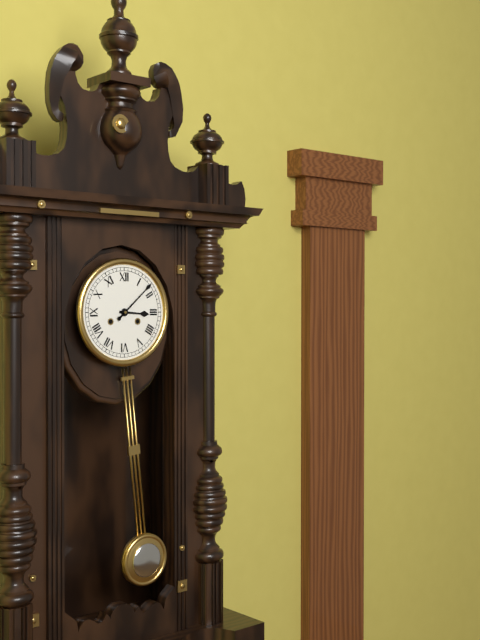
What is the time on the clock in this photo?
3:08
